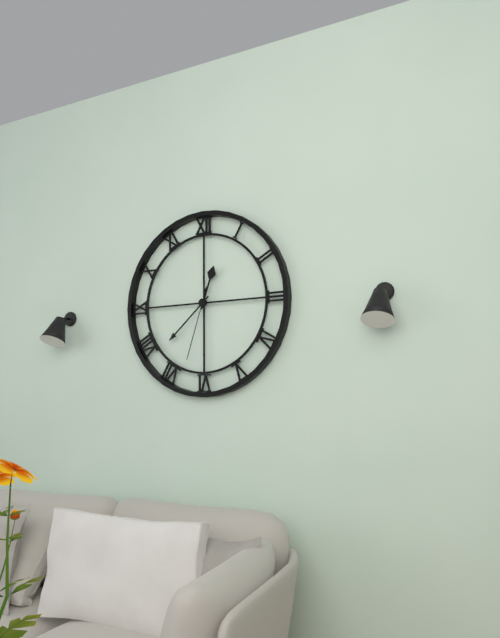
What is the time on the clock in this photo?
12:38:33
